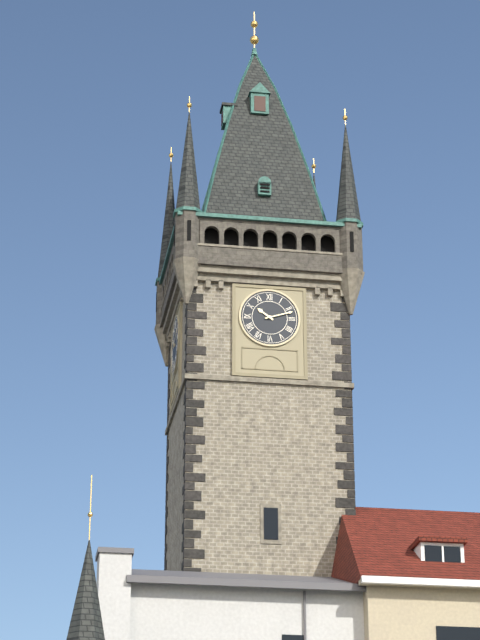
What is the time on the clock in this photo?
10:12
